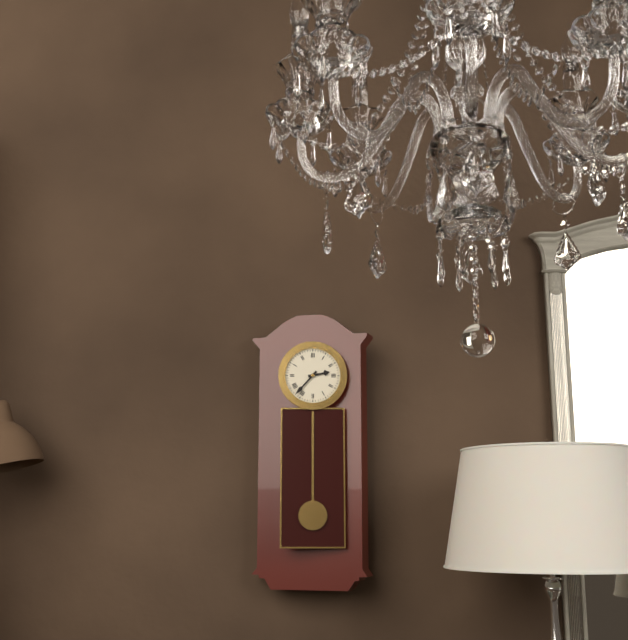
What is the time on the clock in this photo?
2:37
